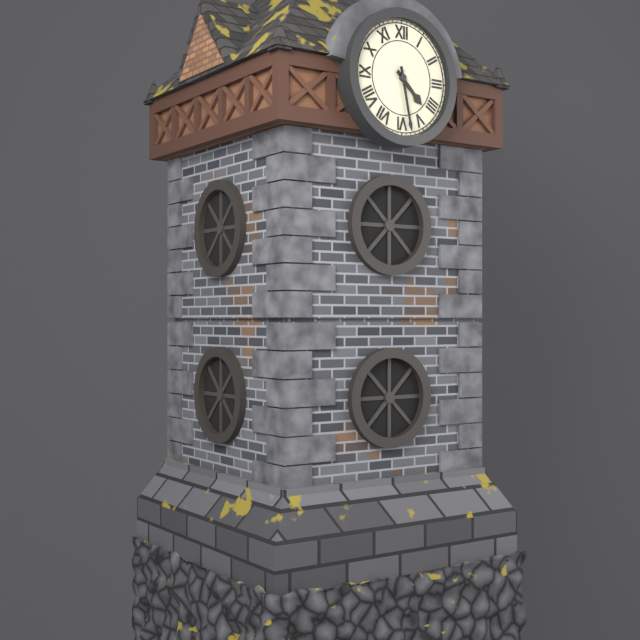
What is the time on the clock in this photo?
4:28
